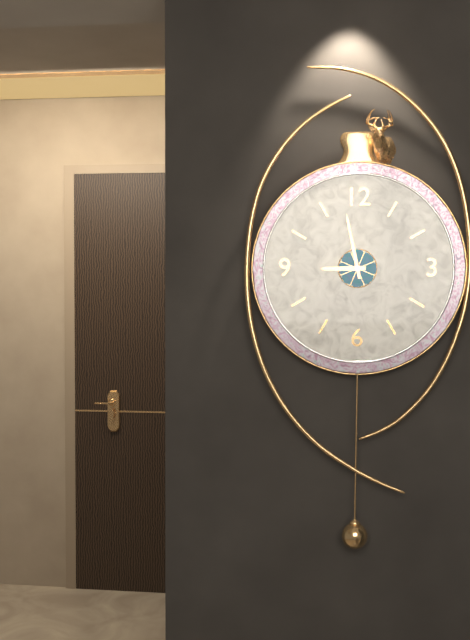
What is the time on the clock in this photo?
8:58
